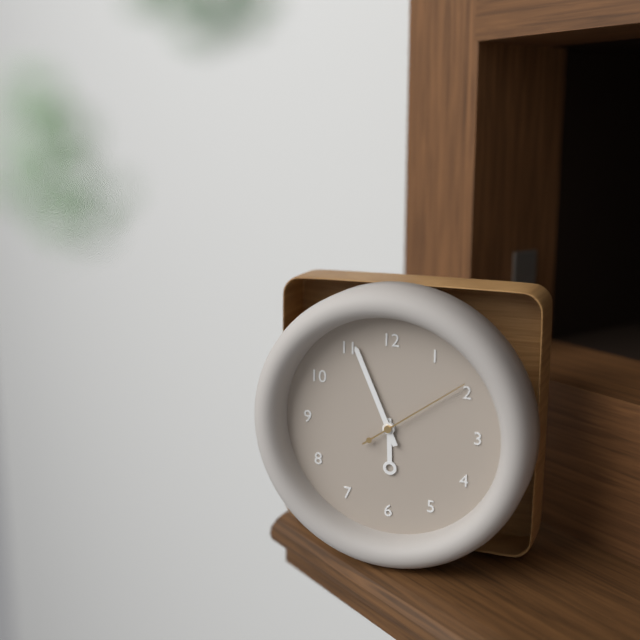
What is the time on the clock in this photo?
5:56:09
